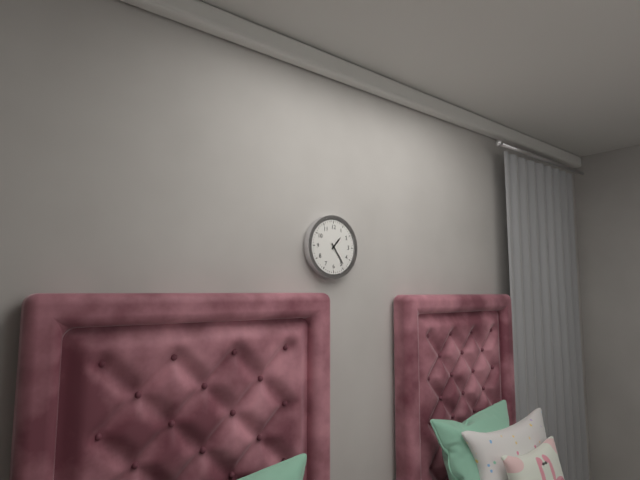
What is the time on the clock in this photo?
1:24
